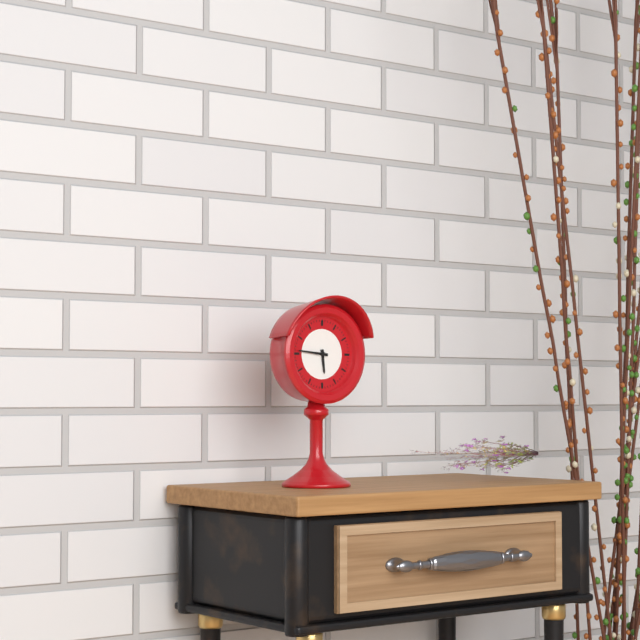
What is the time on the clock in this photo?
5:46
